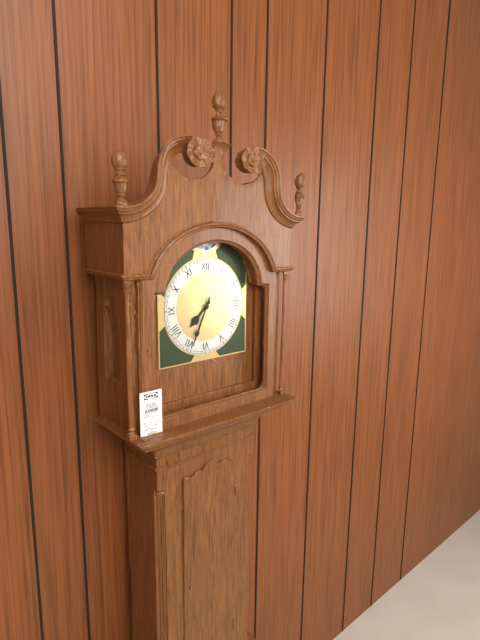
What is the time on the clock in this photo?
7:34
